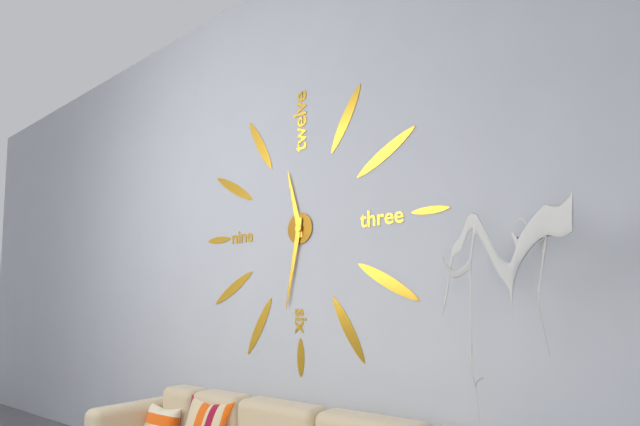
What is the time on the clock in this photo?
11:32
